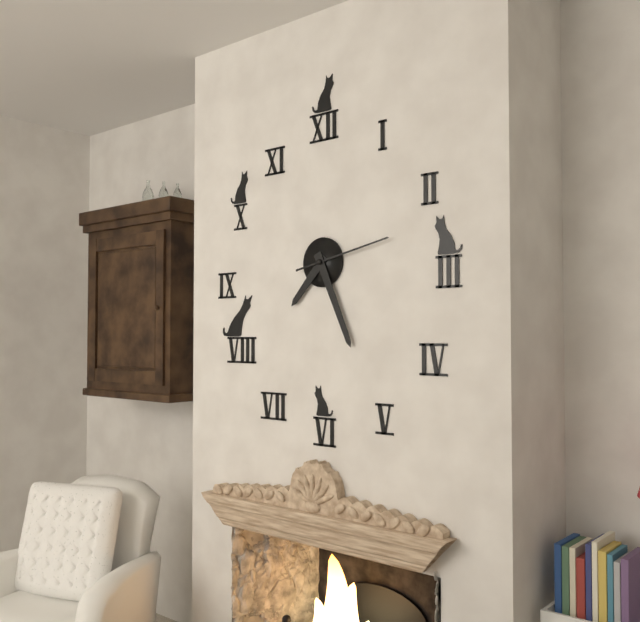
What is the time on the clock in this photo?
7:26:13
